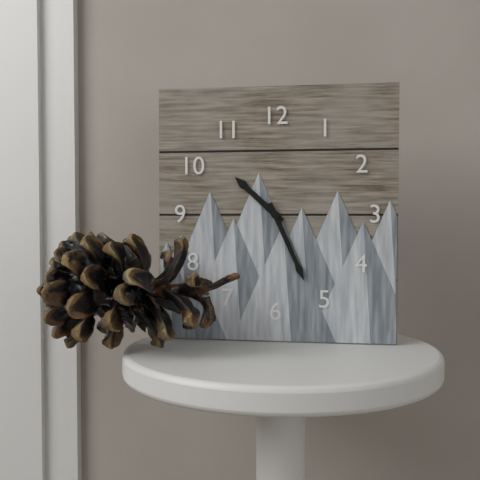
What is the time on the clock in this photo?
10:26
